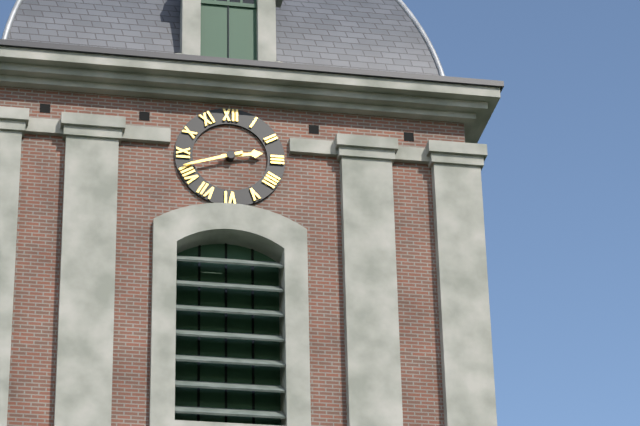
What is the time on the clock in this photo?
2:42
